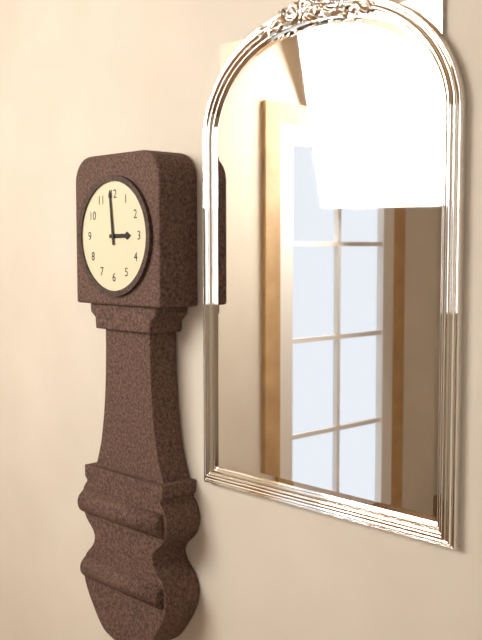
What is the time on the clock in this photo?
2:59
